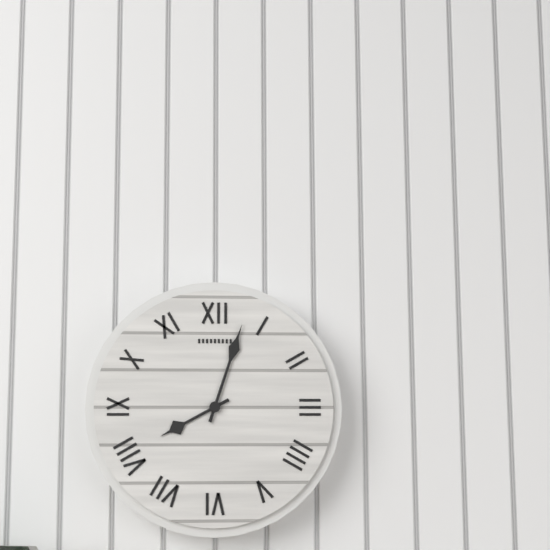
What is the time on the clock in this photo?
8:03
